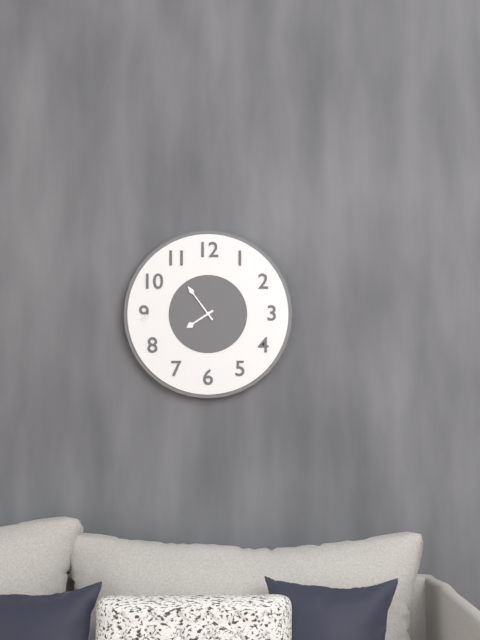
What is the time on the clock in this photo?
7:54
